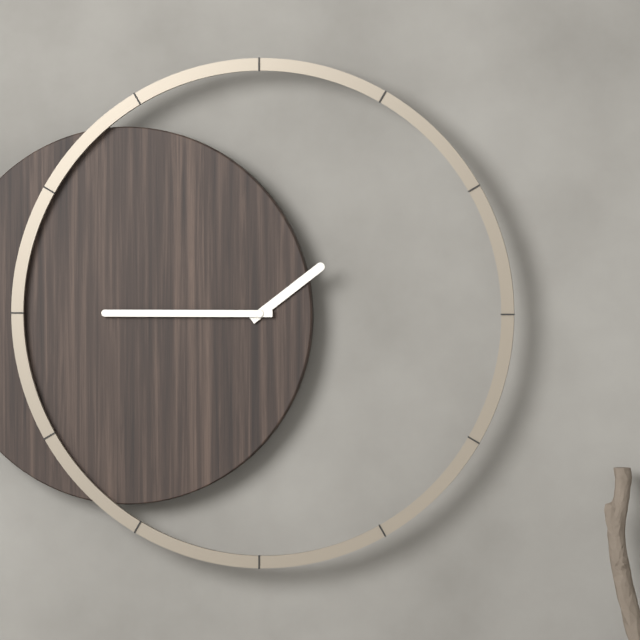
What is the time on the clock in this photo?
1:45
